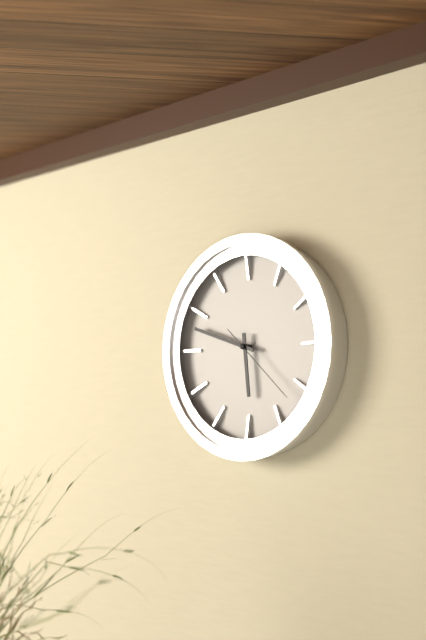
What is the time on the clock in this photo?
5:48:22
